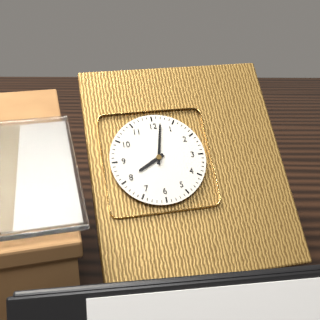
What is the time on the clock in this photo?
8:02
